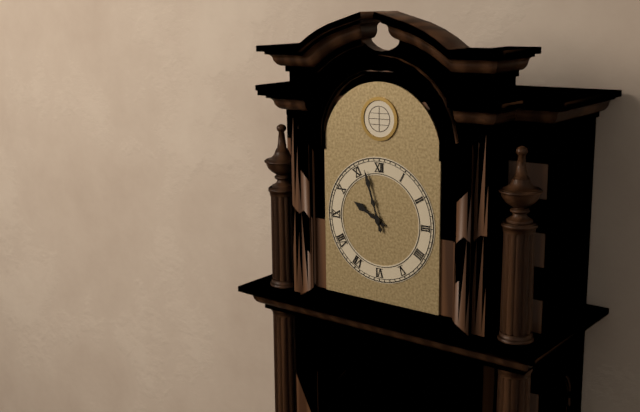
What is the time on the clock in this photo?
9:57
